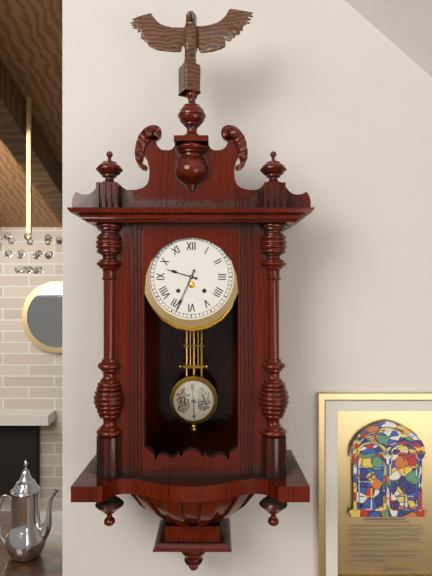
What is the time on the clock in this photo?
9:34
